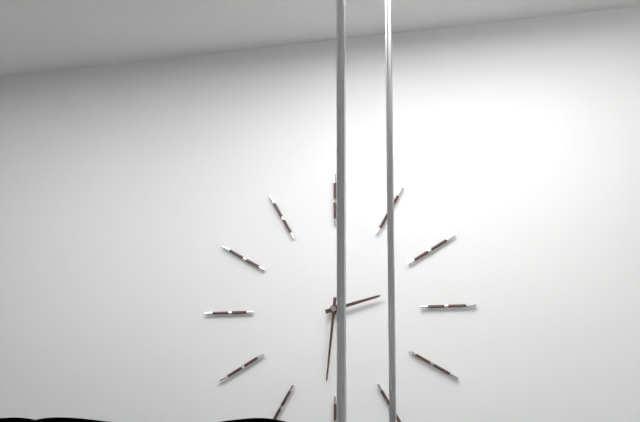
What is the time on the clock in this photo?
2:31
